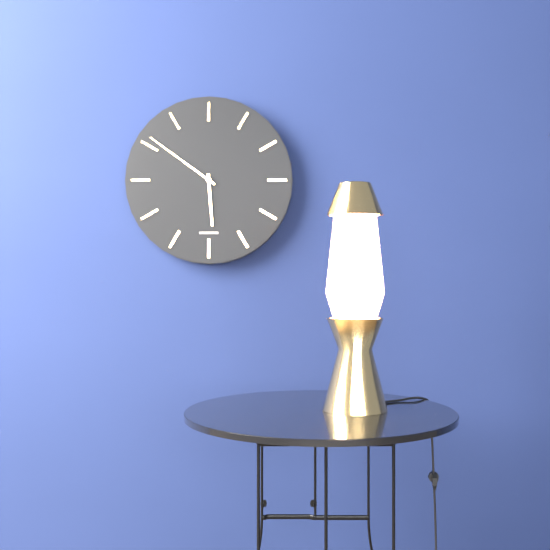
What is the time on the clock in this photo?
5:51
